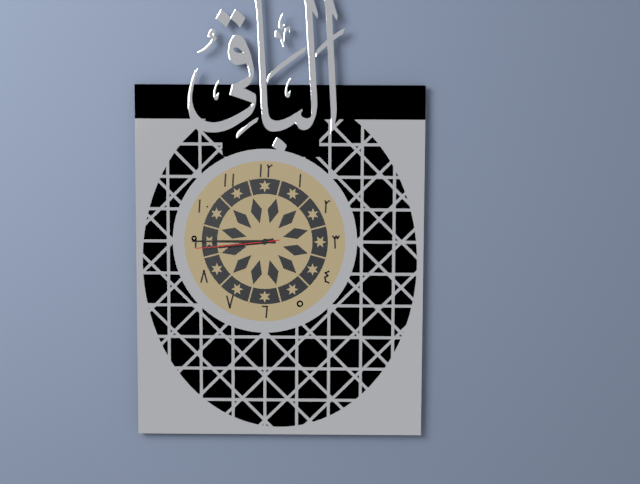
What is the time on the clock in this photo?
8:45:44
